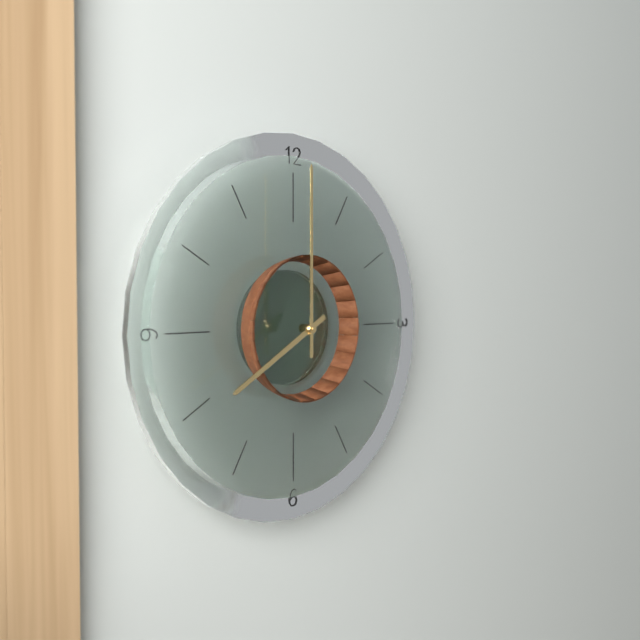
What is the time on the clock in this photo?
8:00
